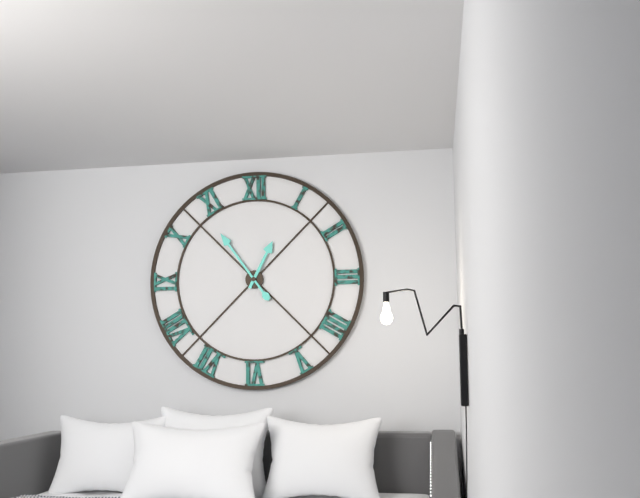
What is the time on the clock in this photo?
12:54
